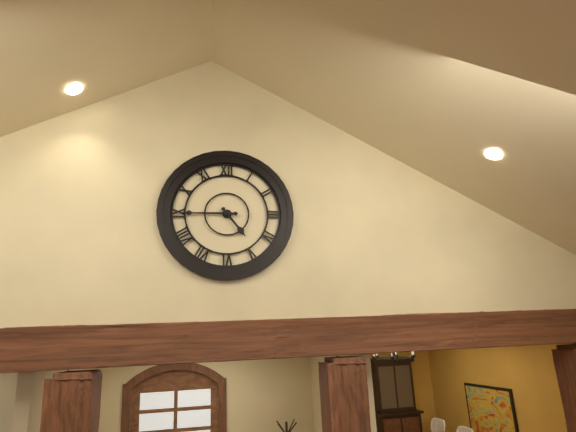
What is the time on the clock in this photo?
4:45
